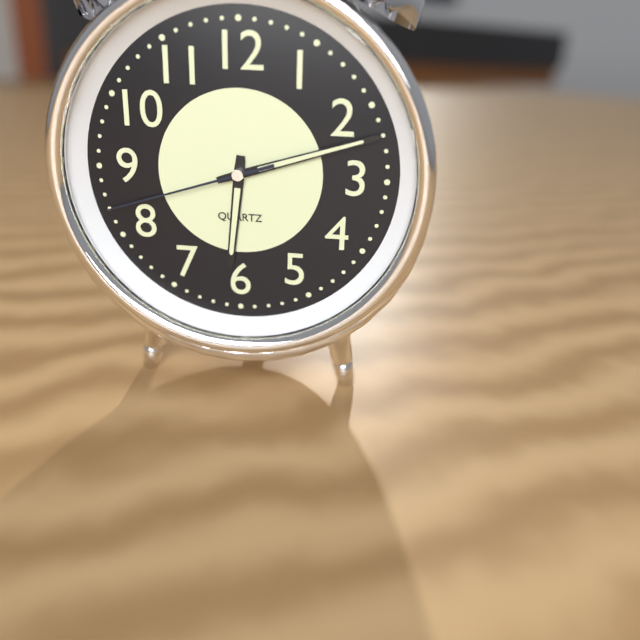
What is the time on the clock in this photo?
6:12:42
